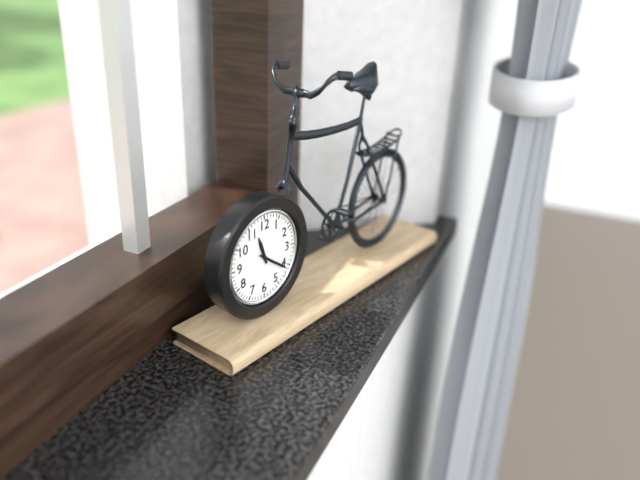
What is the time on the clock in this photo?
11:21
